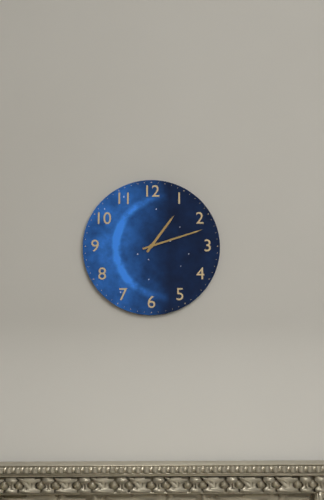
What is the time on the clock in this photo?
1:12
